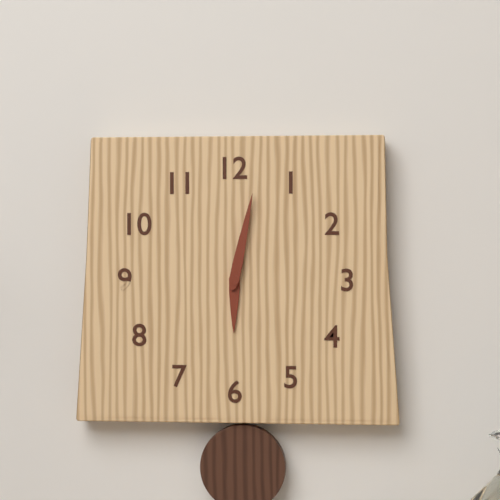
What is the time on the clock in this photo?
6:02
